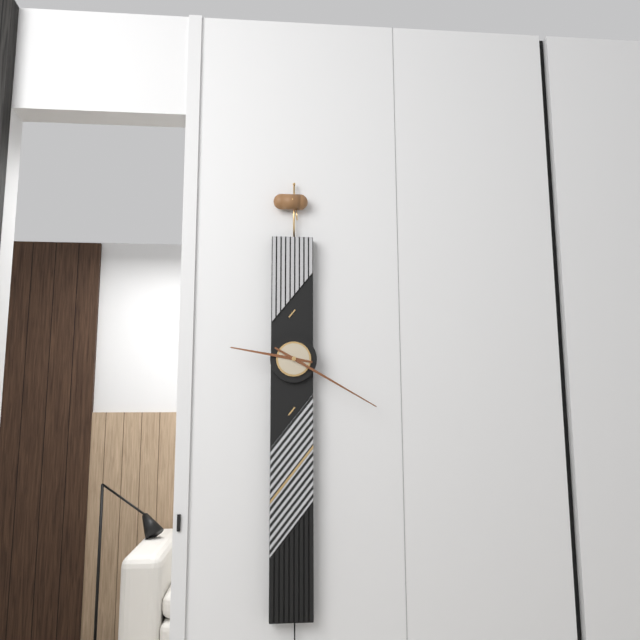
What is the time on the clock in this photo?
9:20
